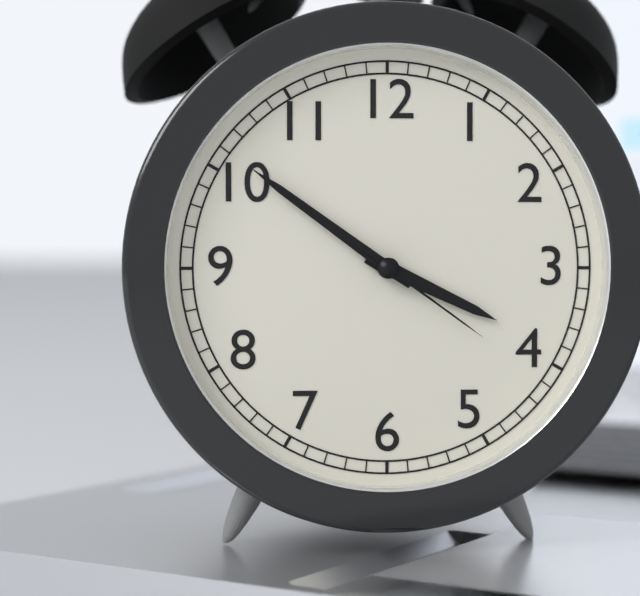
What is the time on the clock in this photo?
3:51:21
